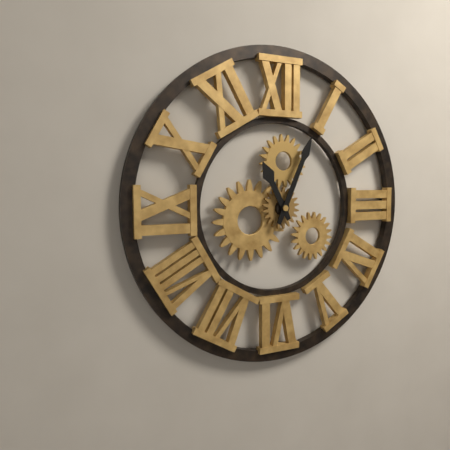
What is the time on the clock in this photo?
11:04
